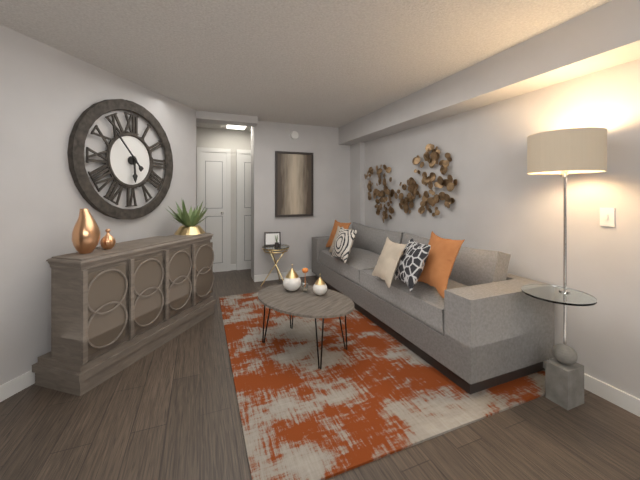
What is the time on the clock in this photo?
5:53
